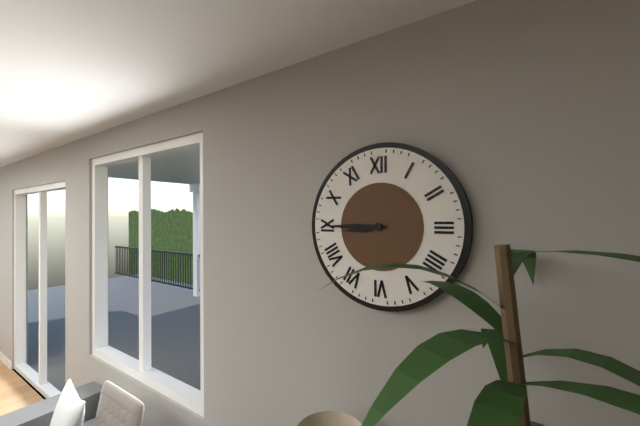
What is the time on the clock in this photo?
8:45
